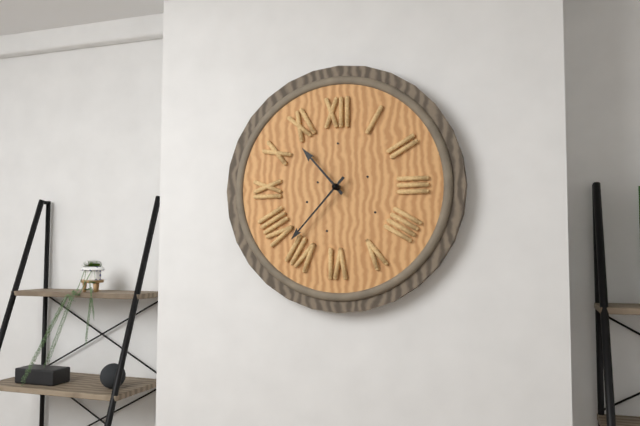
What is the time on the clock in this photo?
10:37
